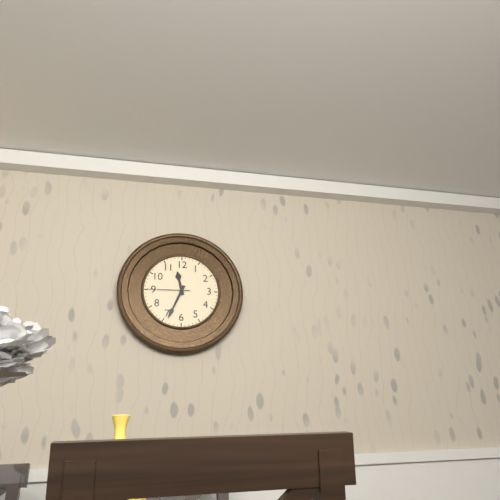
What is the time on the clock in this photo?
11:34
